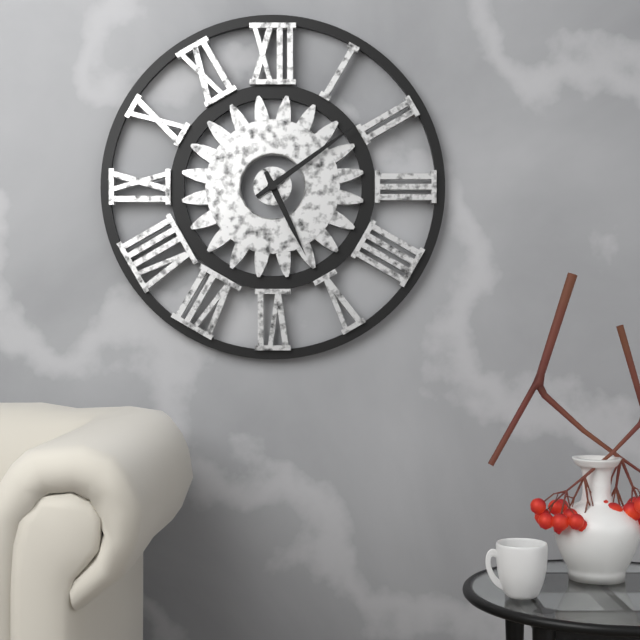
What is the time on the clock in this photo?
5:09
